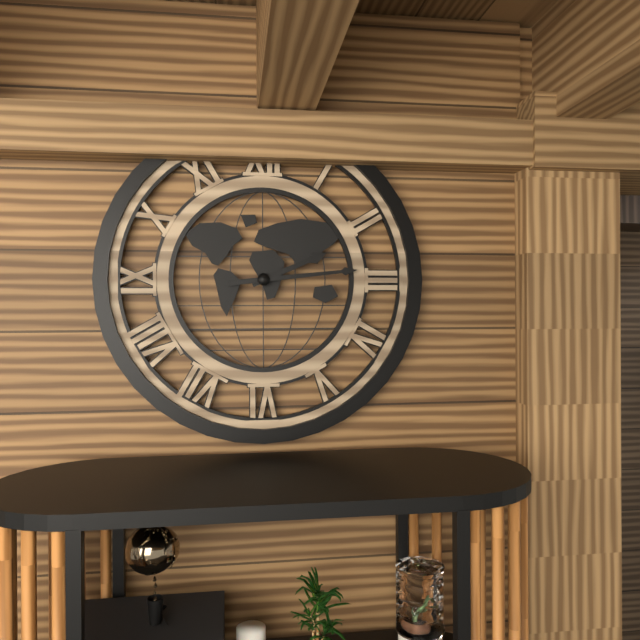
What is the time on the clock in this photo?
2:14
